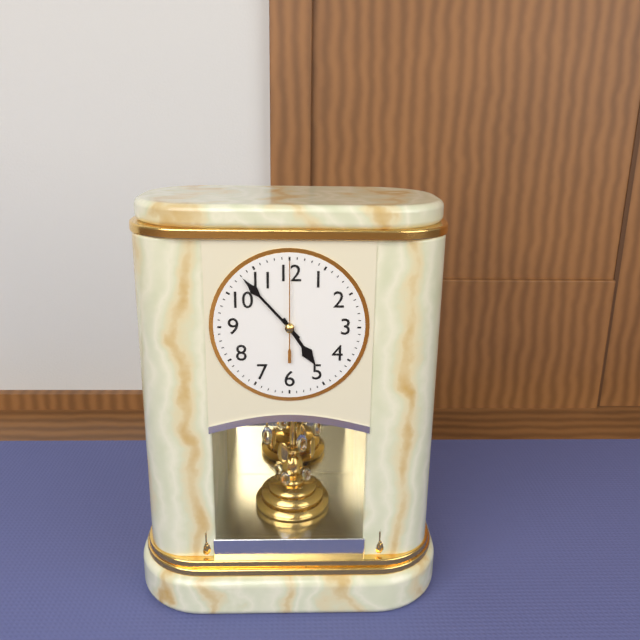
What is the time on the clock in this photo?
4:53:00
